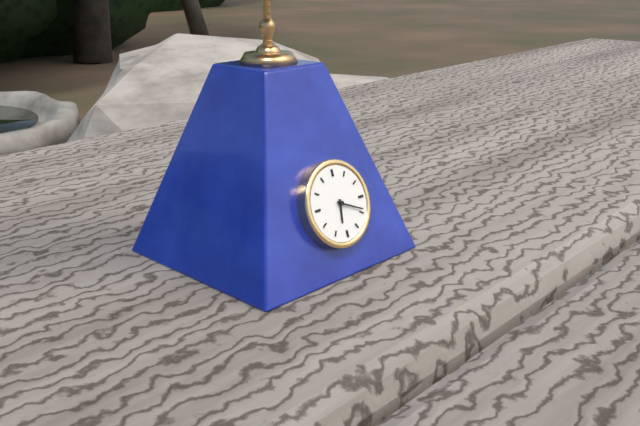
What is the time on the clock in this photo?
6:19
